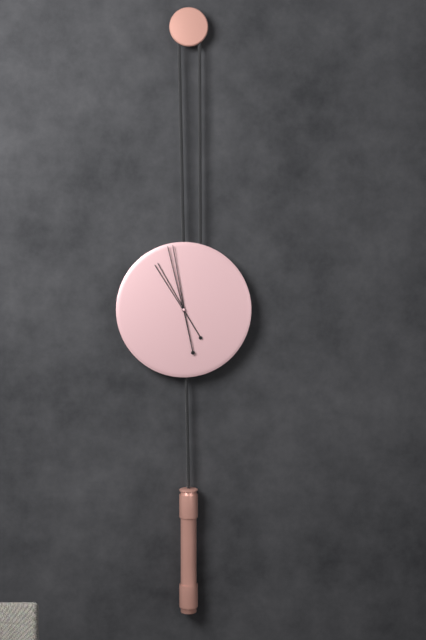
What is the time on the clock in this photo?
10:58
